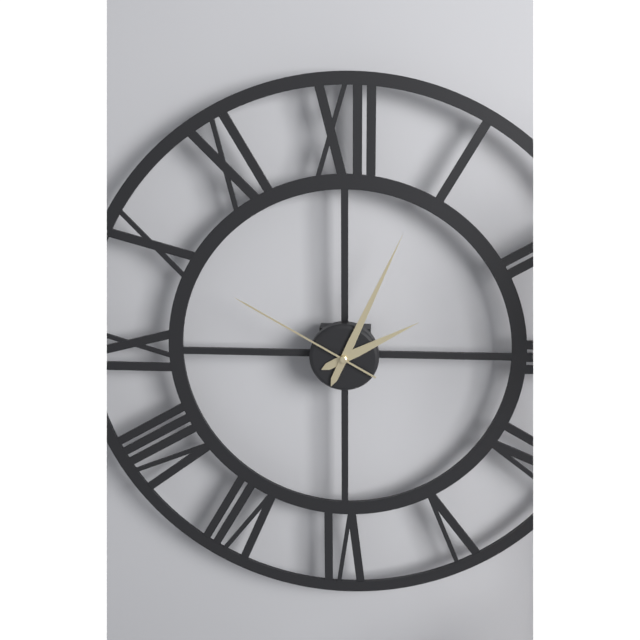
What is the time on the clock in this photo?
2:04:50
